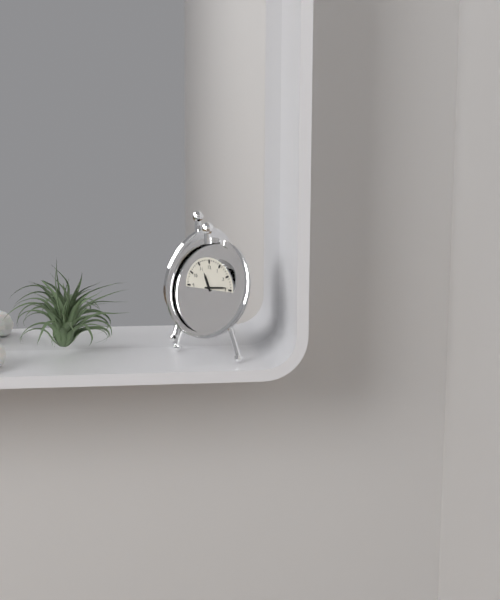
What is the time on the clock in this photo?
11:14
